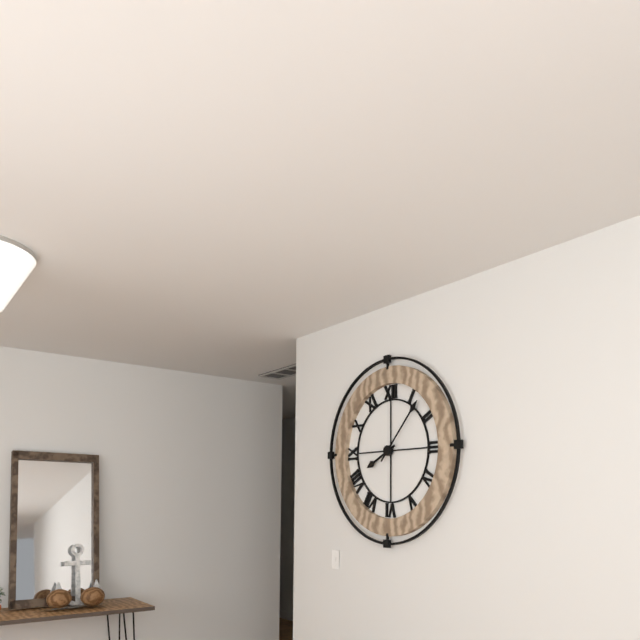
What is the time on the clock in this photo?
8:07
